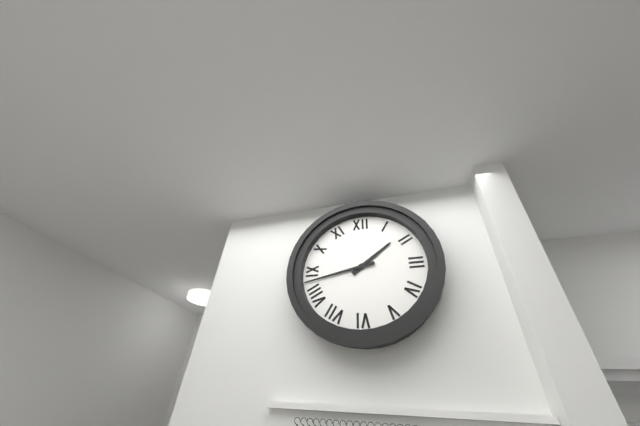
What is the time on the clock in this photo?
1:43
